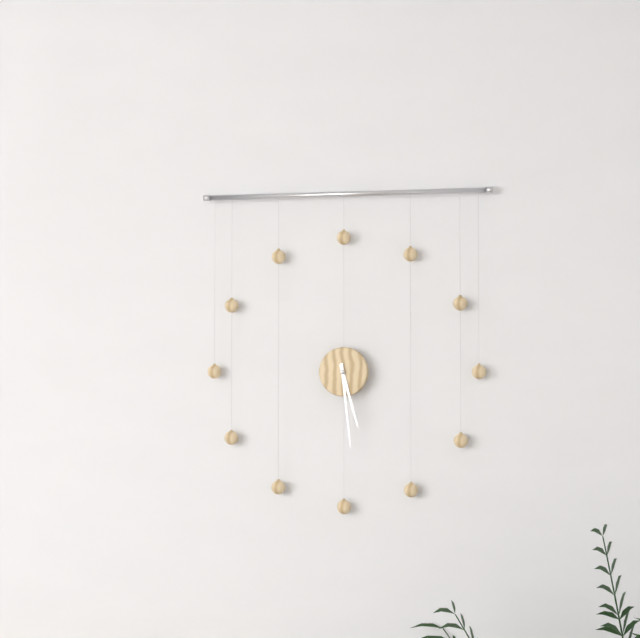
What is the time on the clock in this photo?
5:29
